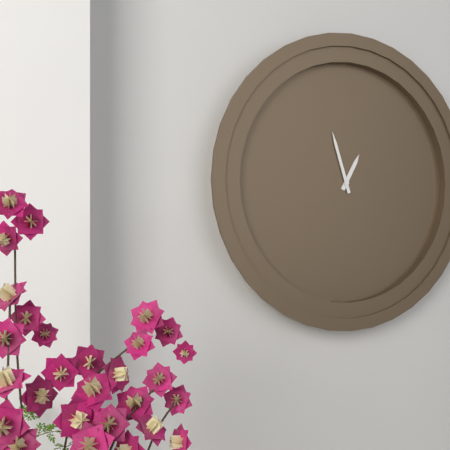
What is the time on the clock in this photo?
12:57
